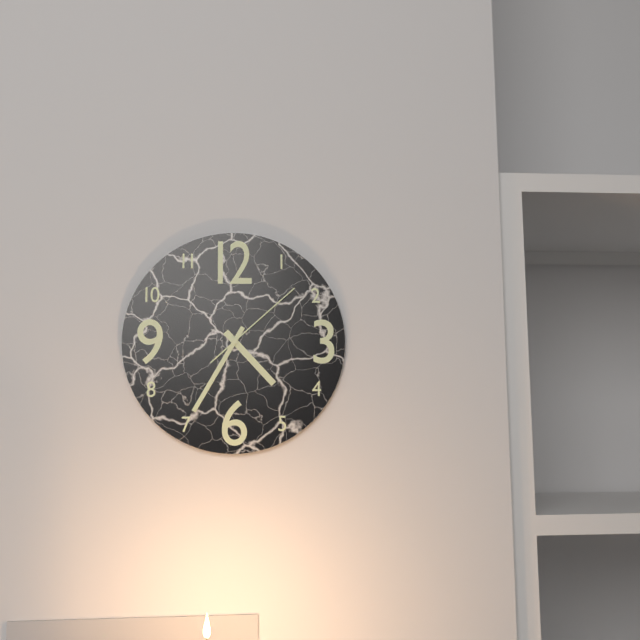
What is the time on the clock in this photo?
4:35:08
